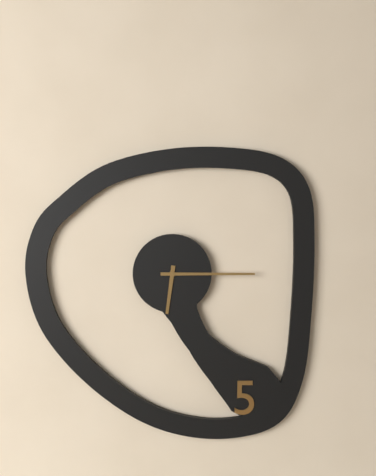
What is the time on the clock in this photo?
6:15
